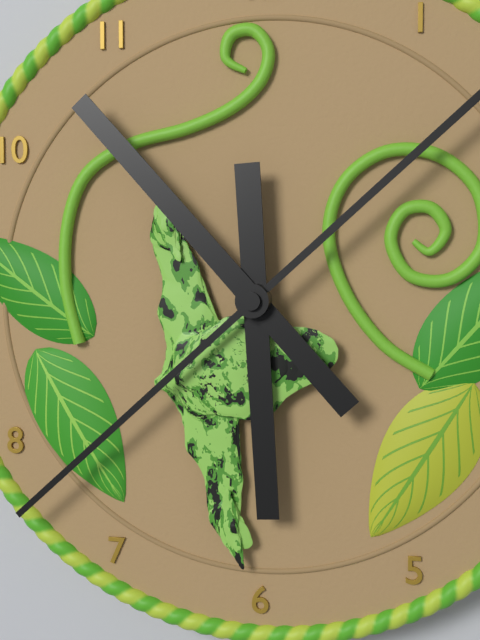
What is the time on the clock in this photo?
5:53:38
